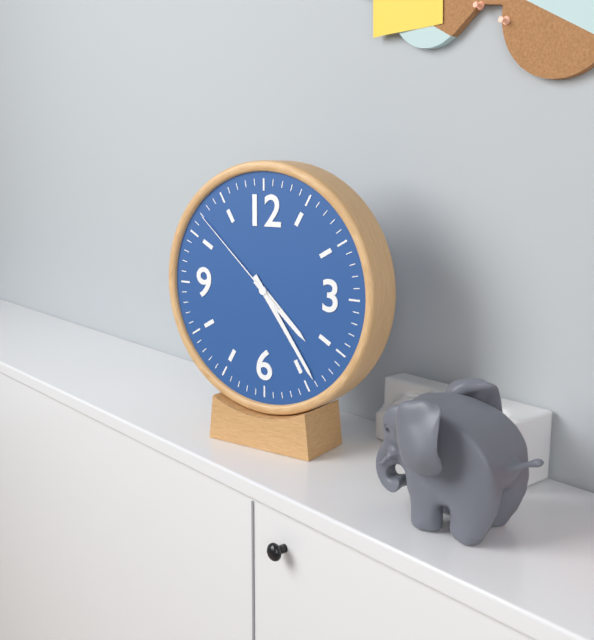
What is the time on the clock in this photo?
4:24:52
